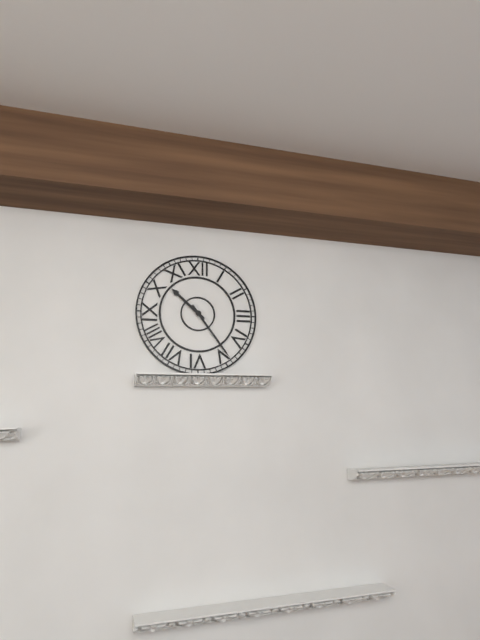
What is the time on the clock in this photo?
10:24
